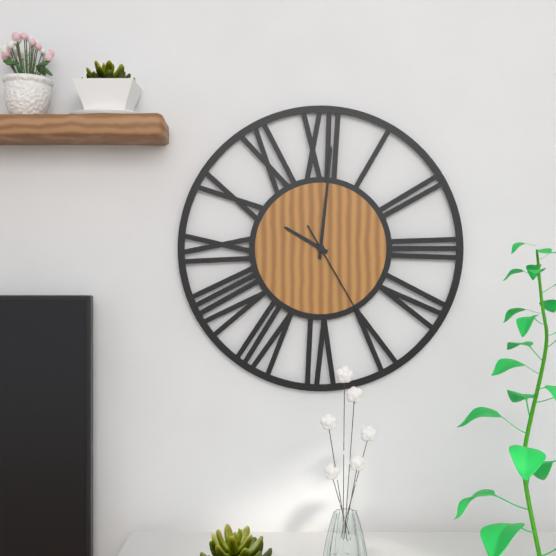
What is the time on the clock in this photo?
10:01:25
